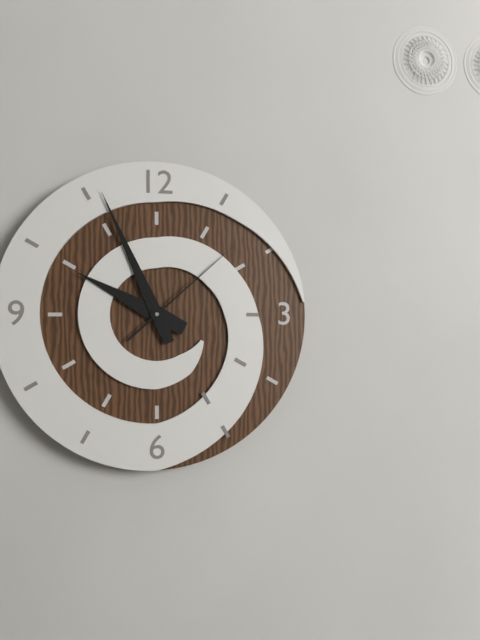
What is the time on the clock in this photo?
9:56:08
